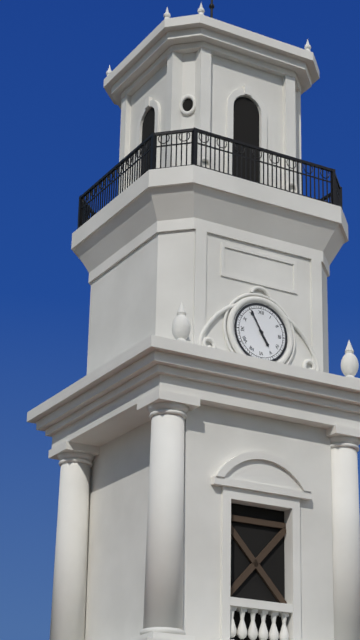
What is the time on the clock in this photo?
4:55
